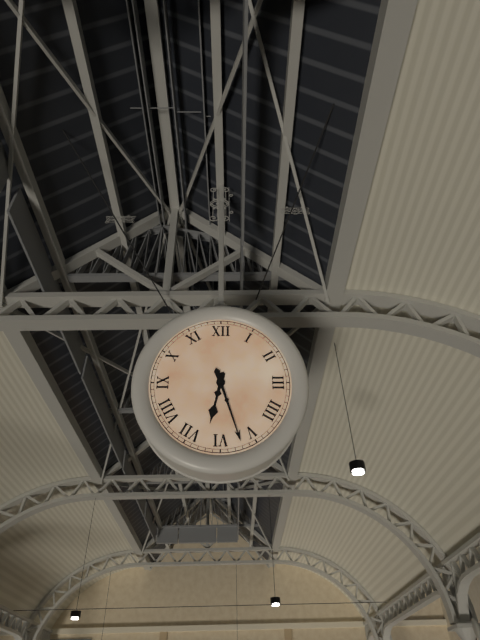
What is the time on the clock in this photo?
6:27
